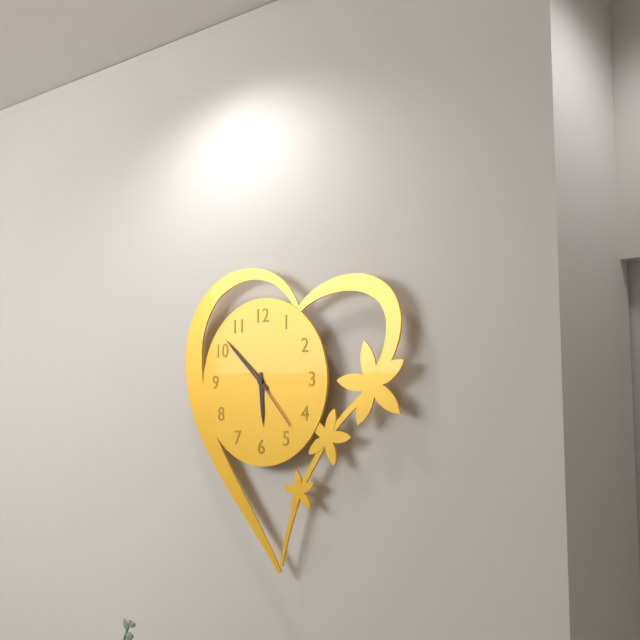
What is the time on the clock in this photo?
5:52:23
